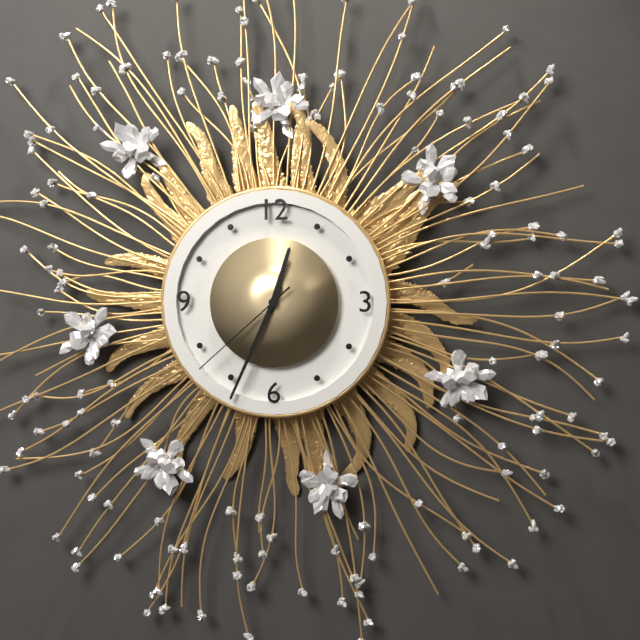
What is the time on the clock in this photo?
12:34:38
